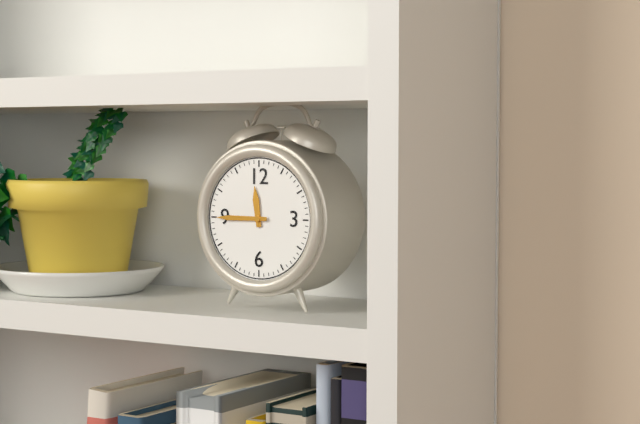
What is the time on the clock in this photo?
11:45
